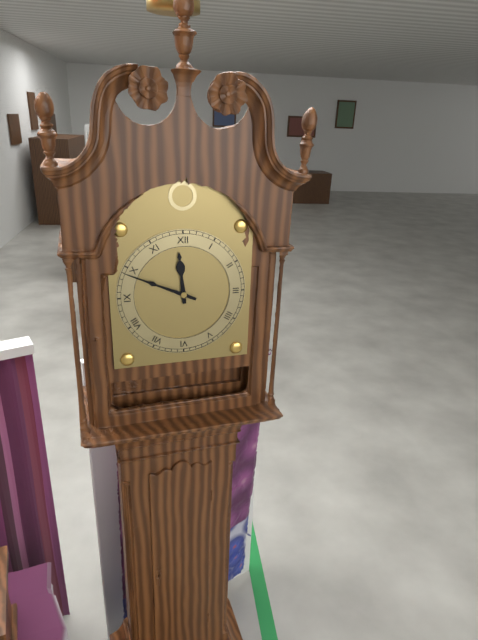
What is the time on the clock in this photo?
11:49
